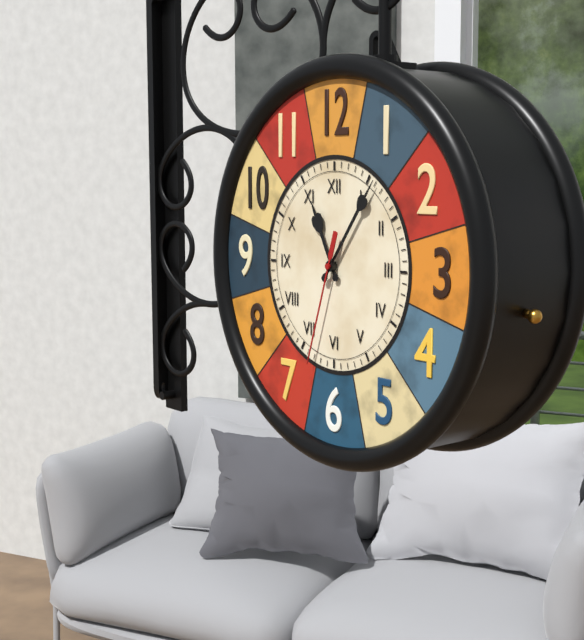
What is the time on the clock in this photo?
11:06:33
